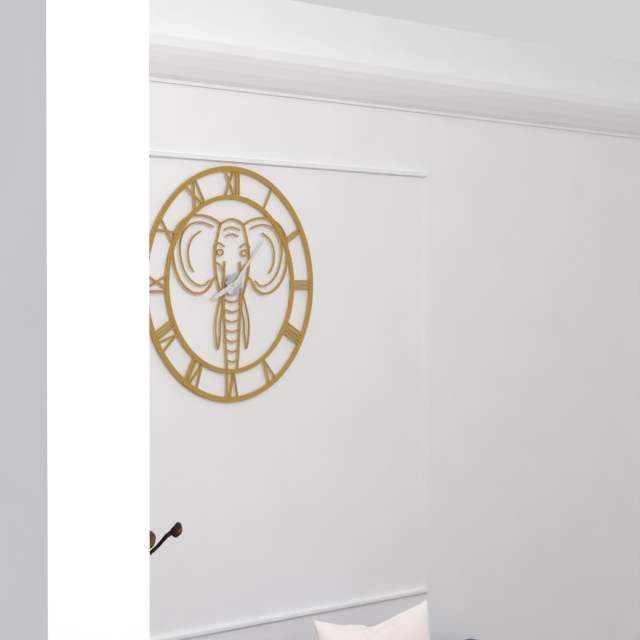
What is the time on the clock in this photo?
8:07
